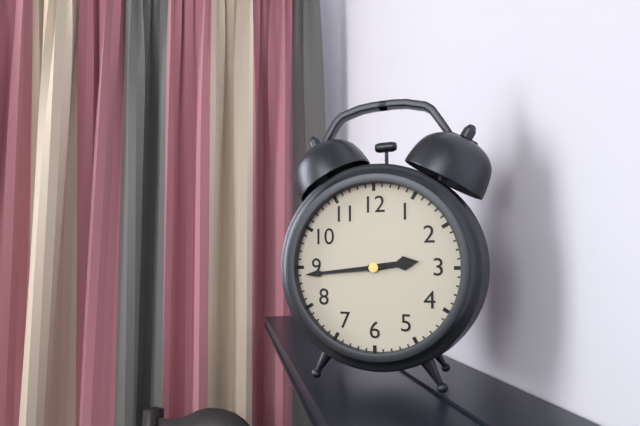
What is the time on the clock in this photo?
2:44
